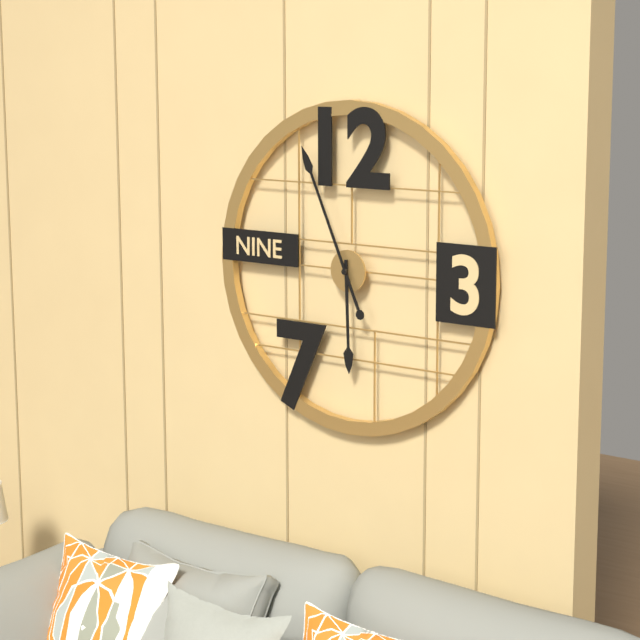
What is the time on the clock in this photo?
5:56
